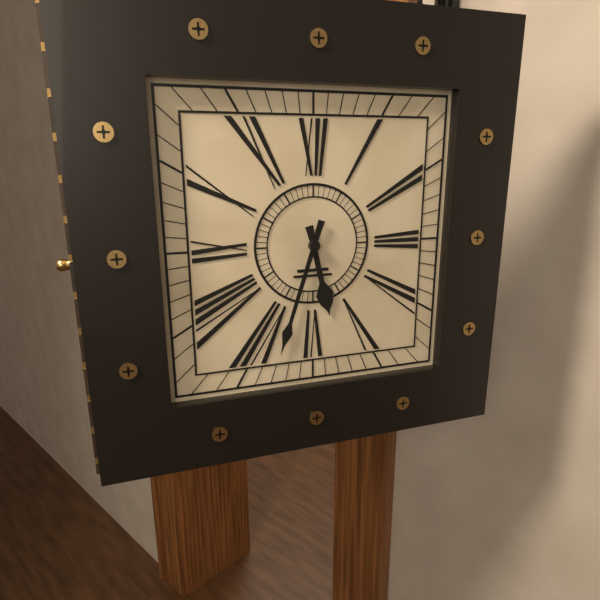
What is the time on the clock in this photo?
5:33
